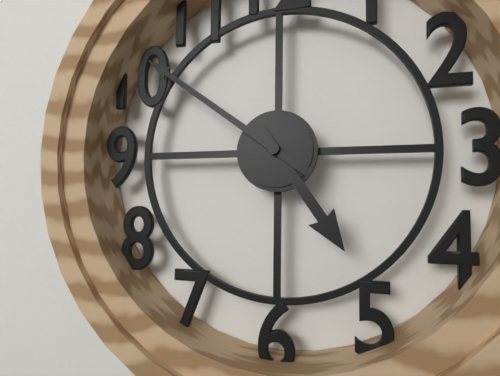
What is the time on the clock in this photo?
4:51
